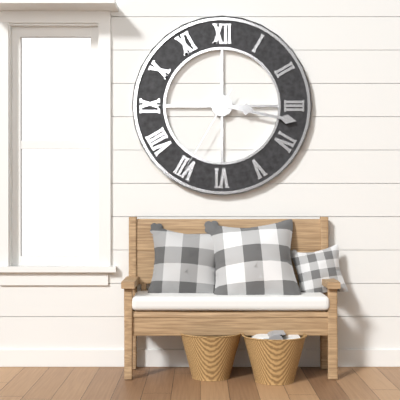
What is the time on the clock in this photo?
3:17:35
